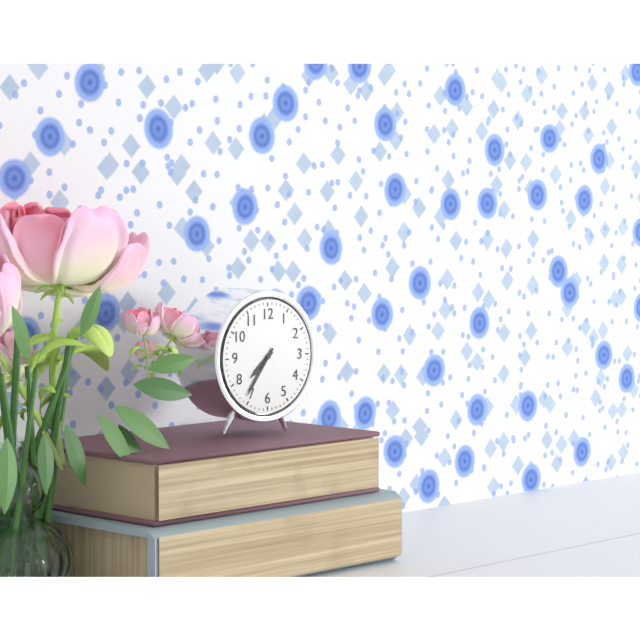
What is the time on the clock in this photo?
7:36
